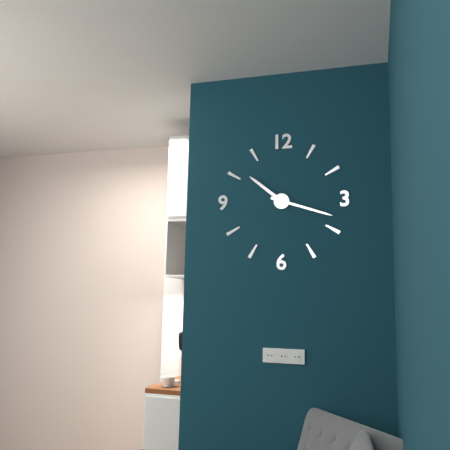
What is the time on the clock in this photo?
10:18
